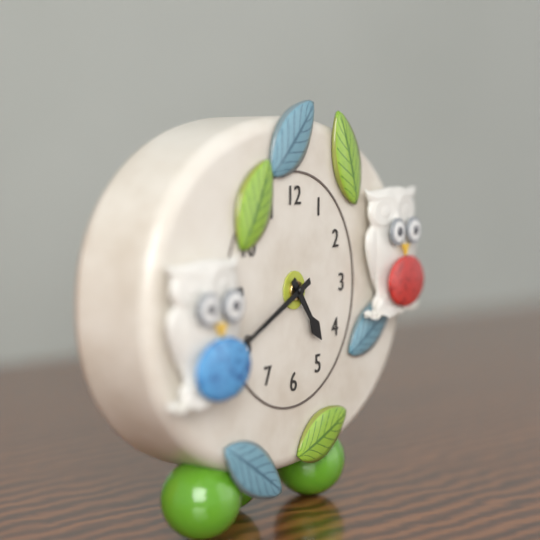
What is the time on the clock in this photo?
4:41
